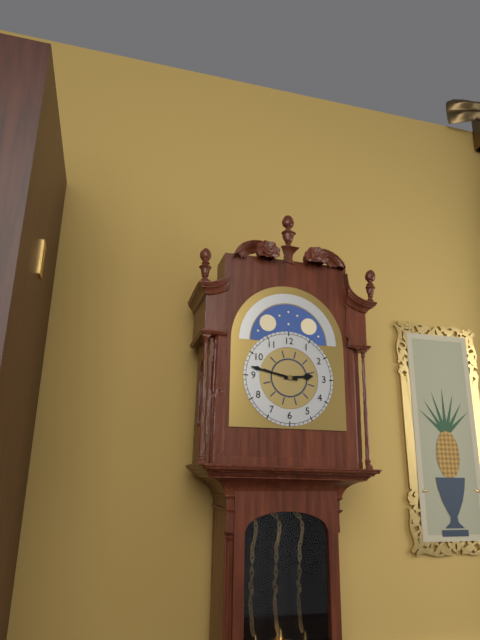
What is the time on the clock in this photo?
2:47
